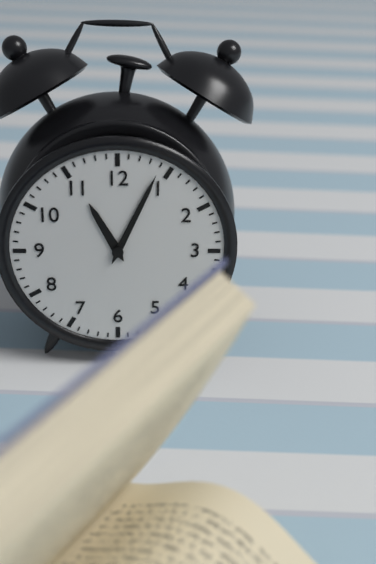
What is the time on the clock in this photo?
11:04
